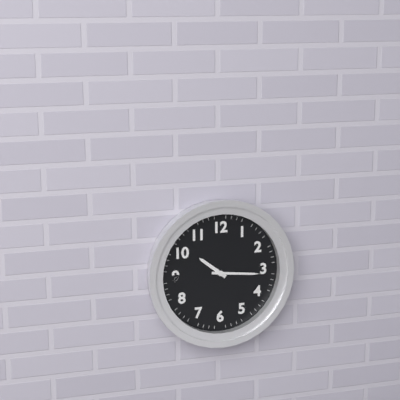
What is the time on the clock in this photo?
10:16
